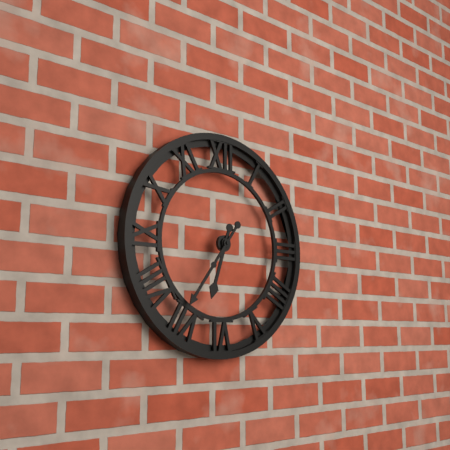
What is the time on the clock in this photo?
6:36
